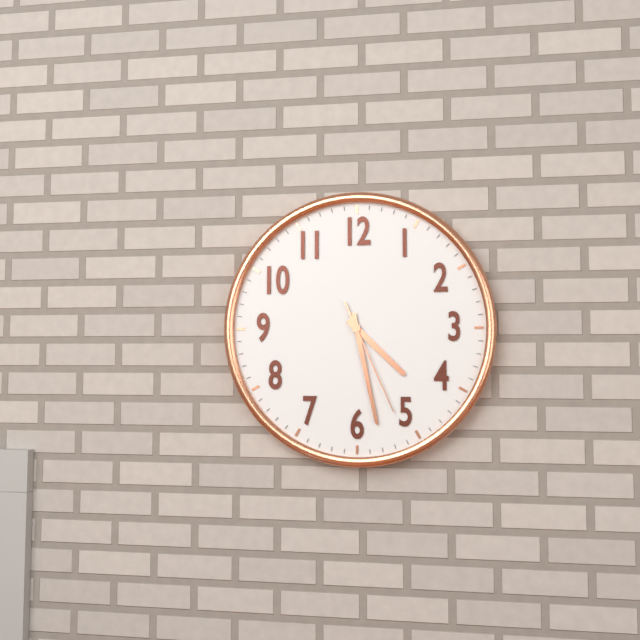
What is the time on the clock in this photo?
4:28:26
